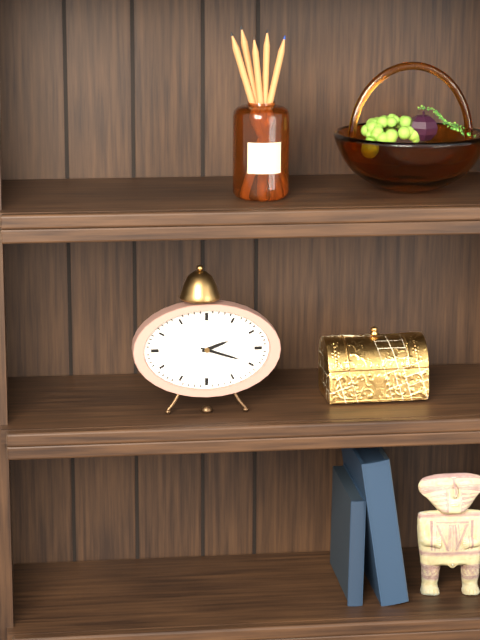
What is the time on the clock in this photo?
2:18
